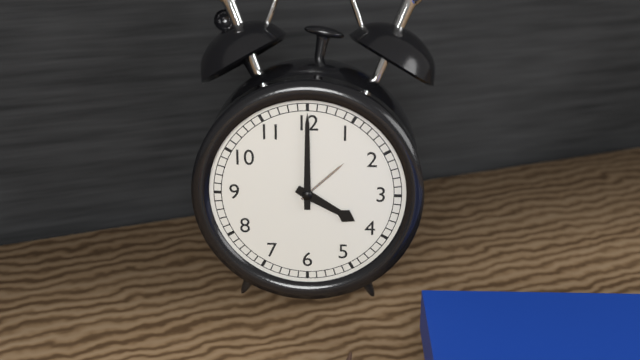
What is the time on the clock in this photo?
4:00
